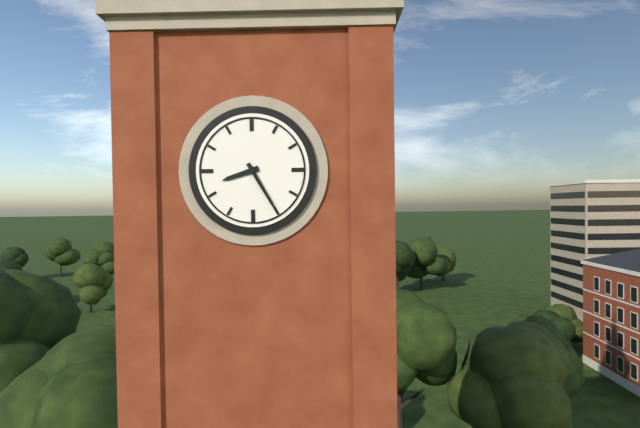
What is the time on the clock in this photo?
8:25
